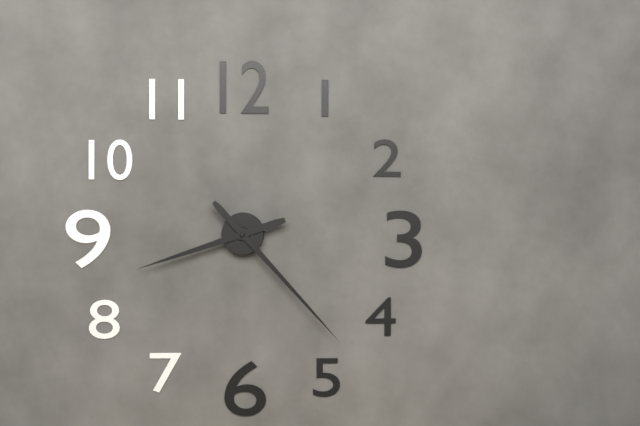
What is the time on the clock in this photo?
8:23
